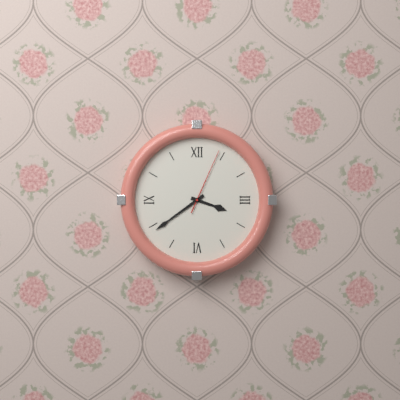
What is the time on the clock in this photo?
3:39:04
